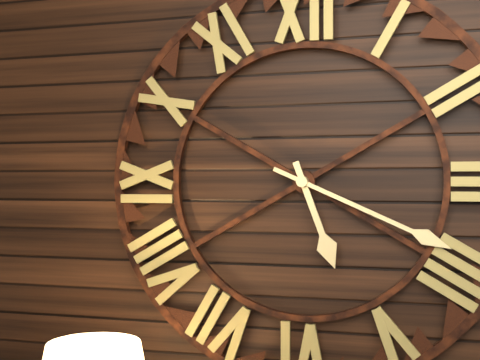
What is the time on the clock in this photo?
5:19
